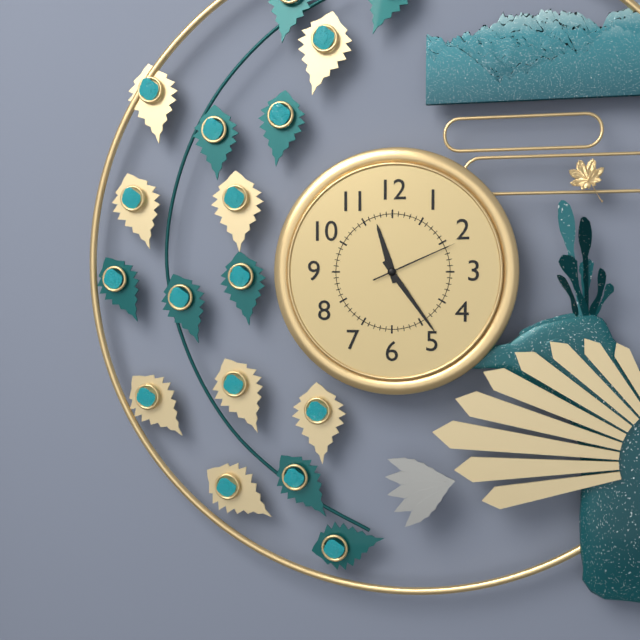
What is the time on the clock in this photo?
11:24:11
